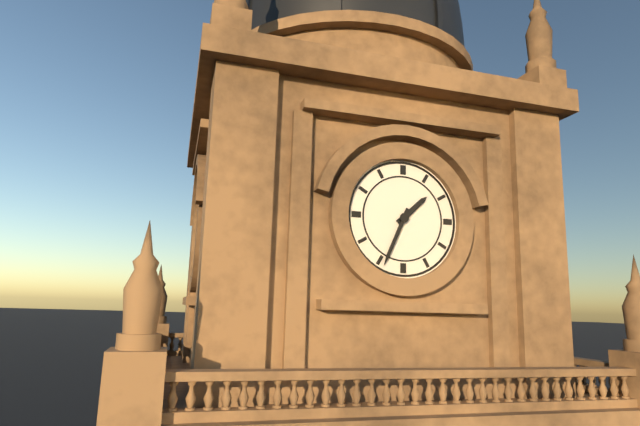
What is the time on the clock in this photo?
1:34
